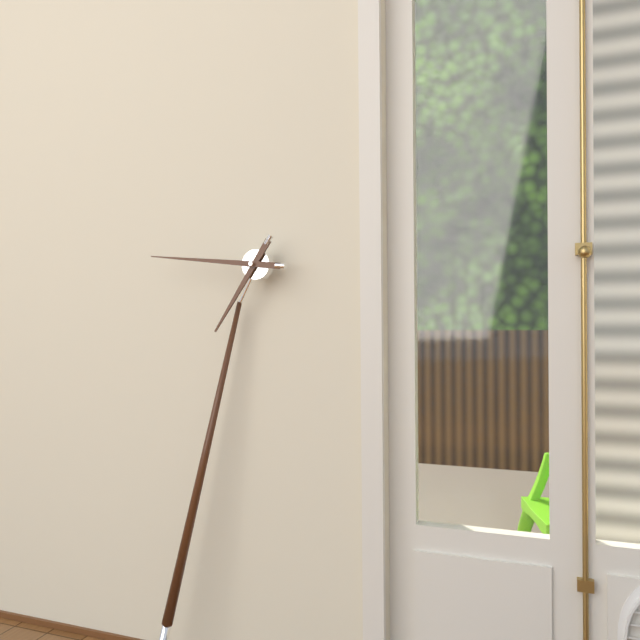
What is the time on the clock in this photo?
6:44
